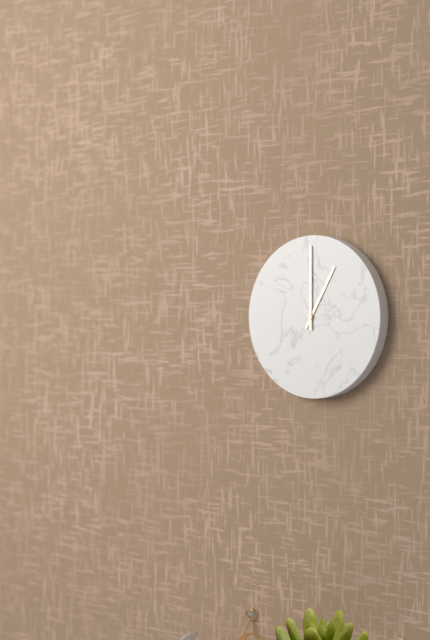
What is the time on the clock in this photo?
1:00
